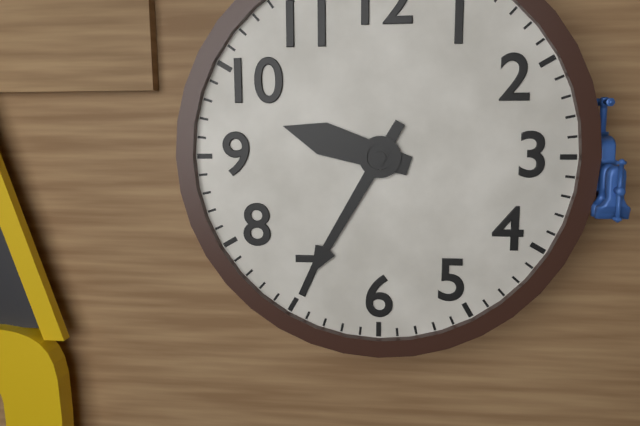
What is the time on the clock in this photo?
9:35
